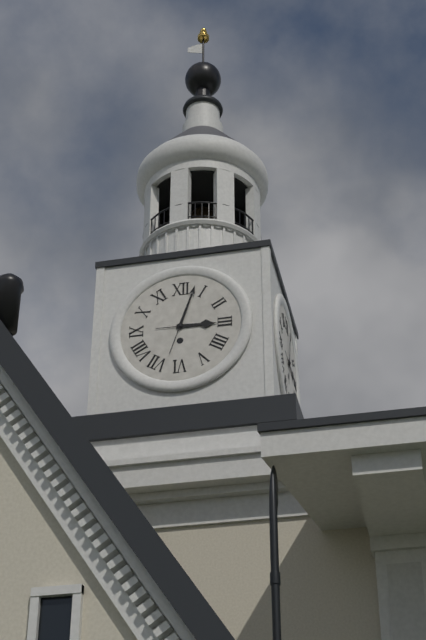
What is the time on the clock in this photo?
3:03
